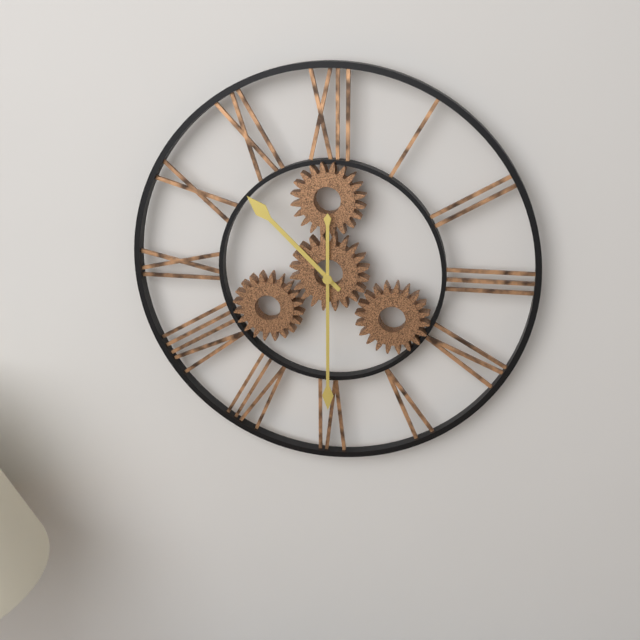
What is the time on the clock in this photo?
10:30
